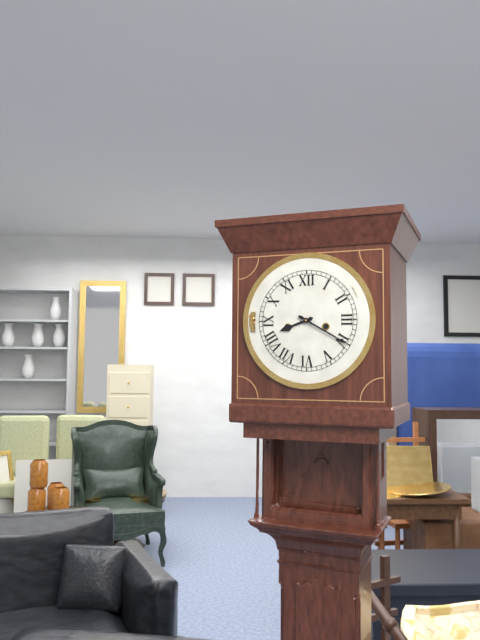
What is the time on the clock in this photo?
8:20
